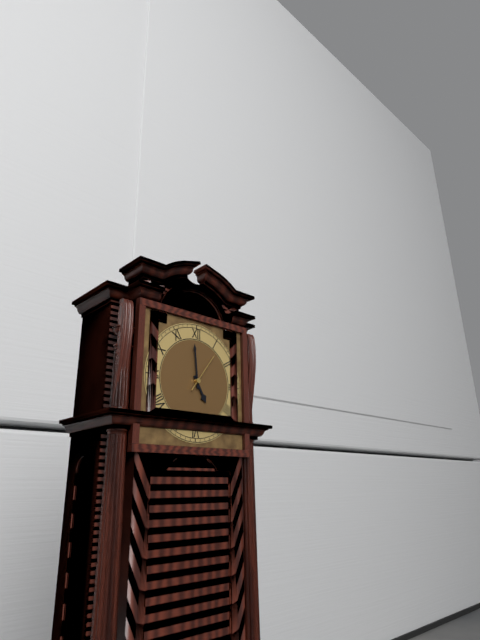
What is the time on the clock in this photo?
4:59
